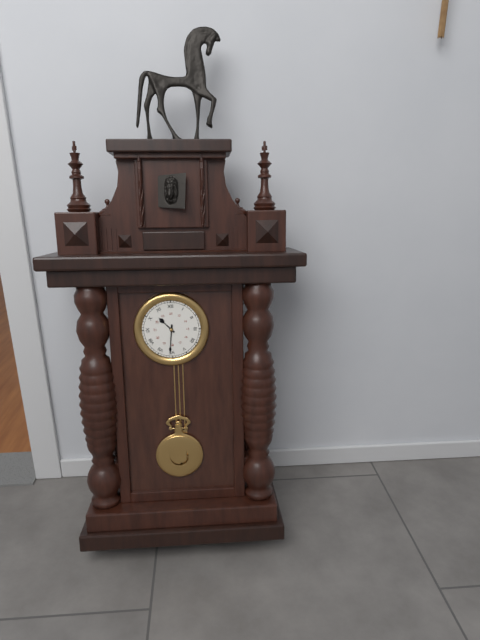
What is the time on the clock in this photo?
10:31
